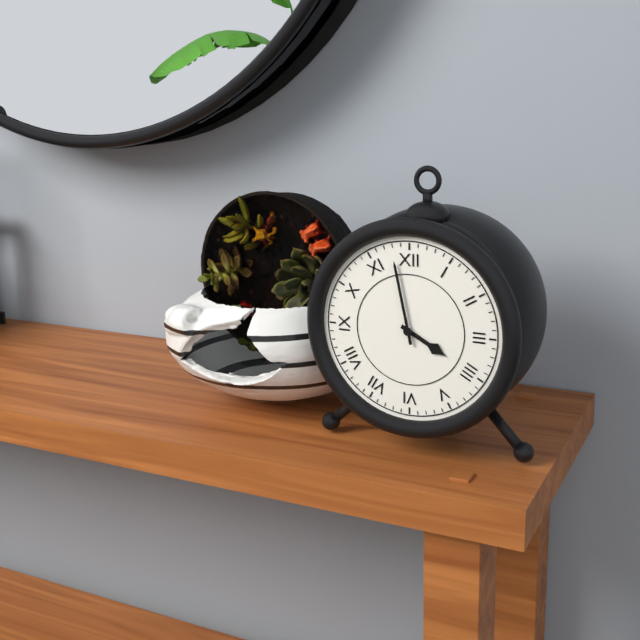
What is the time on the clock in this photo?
3:58
